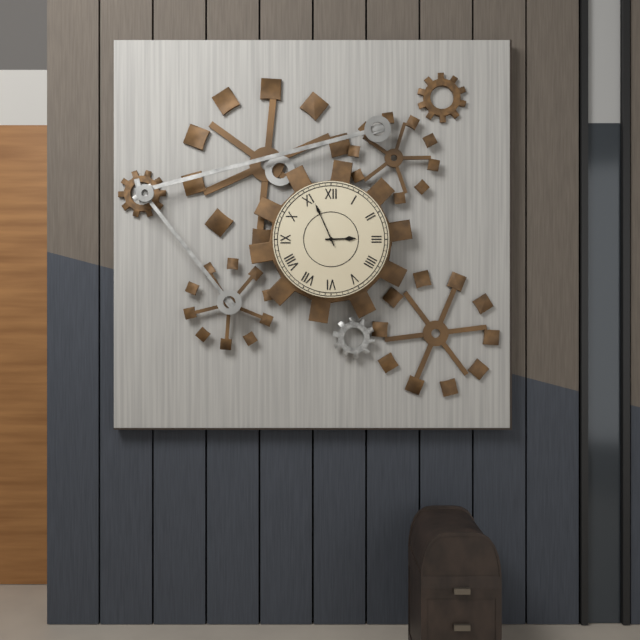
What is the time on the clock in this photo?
2:56
